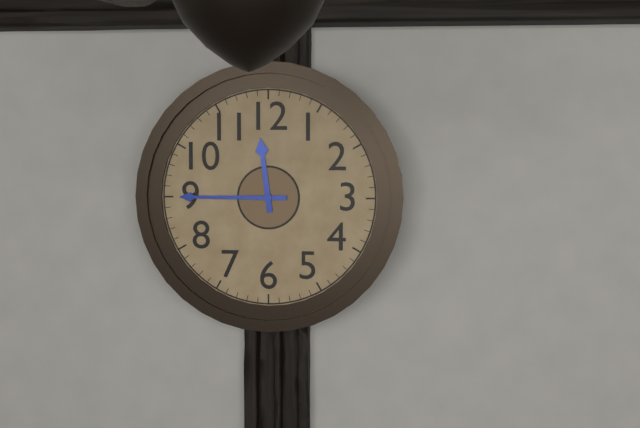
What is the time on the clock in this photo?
11:45
